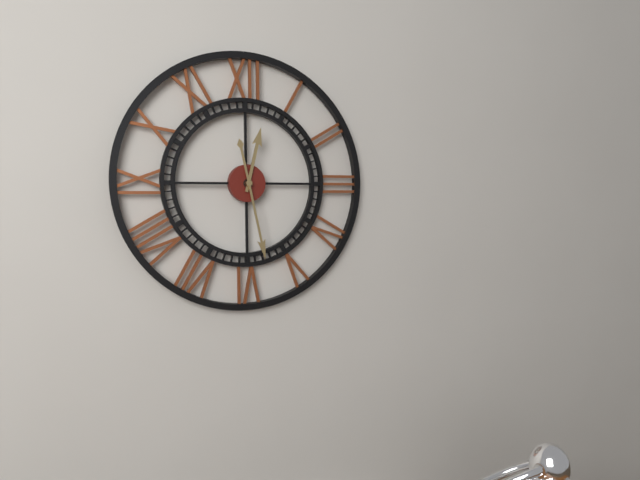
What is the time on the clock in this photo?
12:28
